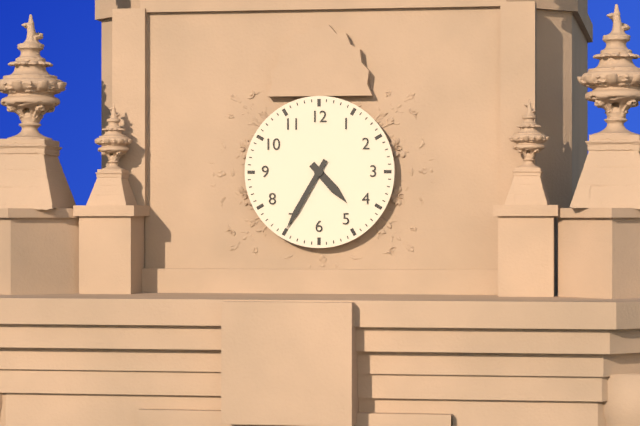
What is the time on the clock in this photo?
4:35
